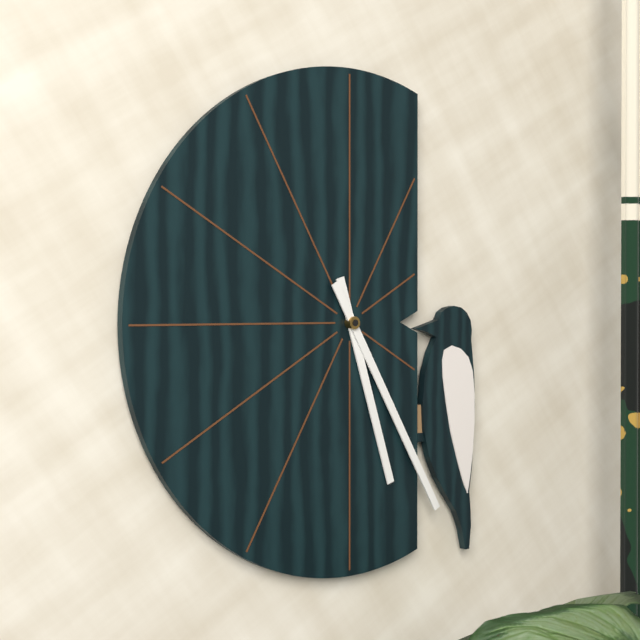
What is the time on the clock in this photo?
5:25
